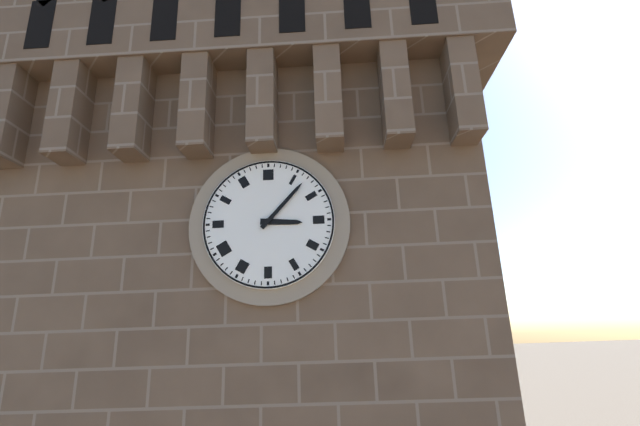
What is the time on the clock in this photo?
3:07
